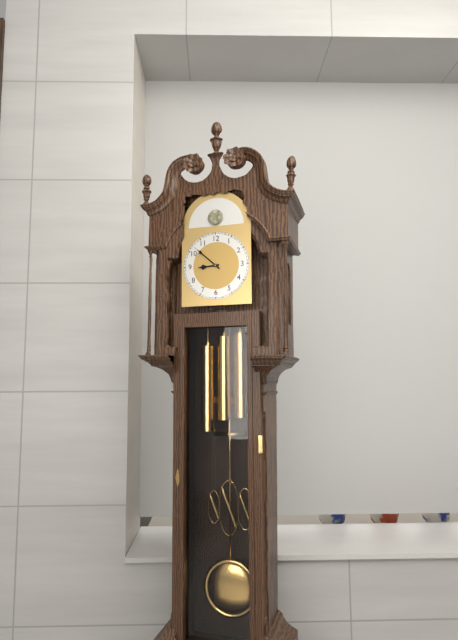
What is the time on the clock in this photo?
8:52
